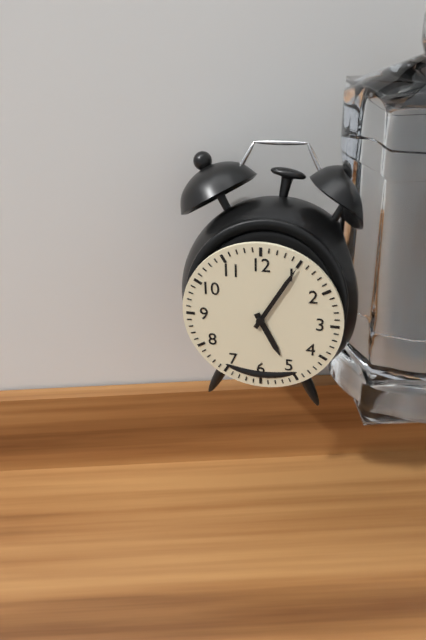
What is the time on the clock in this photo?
5:05
